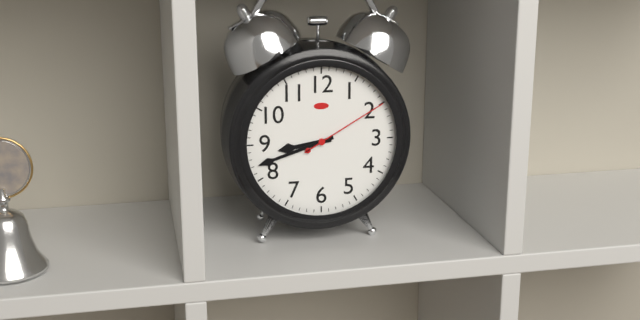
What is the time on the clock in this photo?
8:42:10
